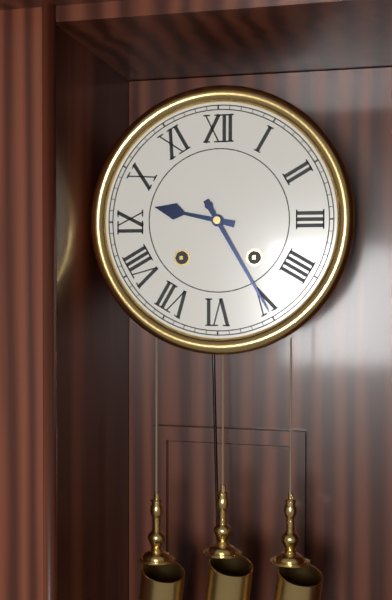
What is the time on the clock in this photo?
9:25
